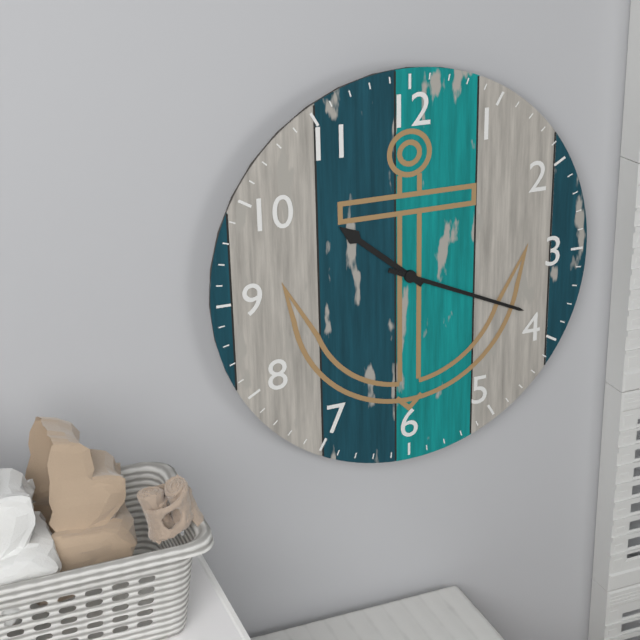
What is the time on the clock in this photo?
10:19
